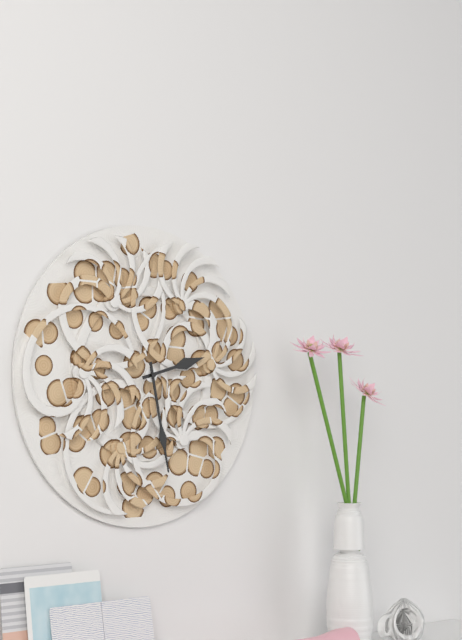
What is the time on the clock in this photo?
2:28
